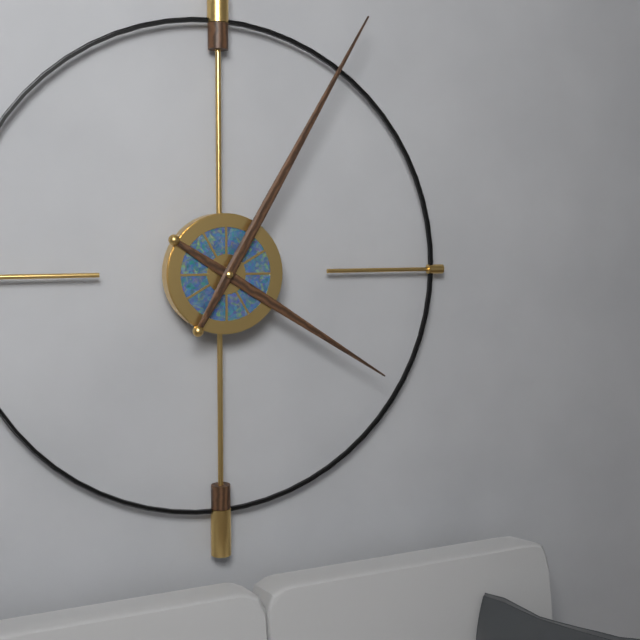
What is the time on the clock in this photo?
4:05
